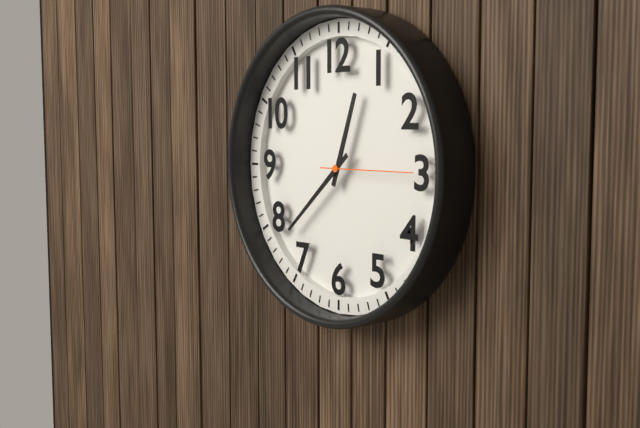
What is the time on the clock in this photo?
12:38:15
